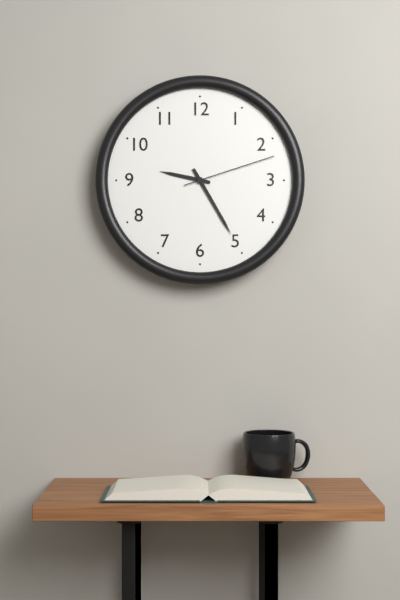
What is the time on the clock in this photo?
9:25:12
